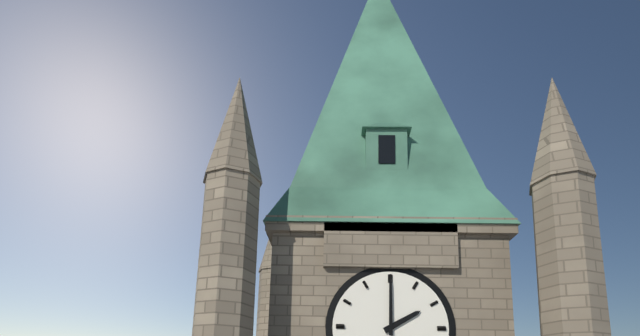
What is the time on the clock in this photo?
2:00
